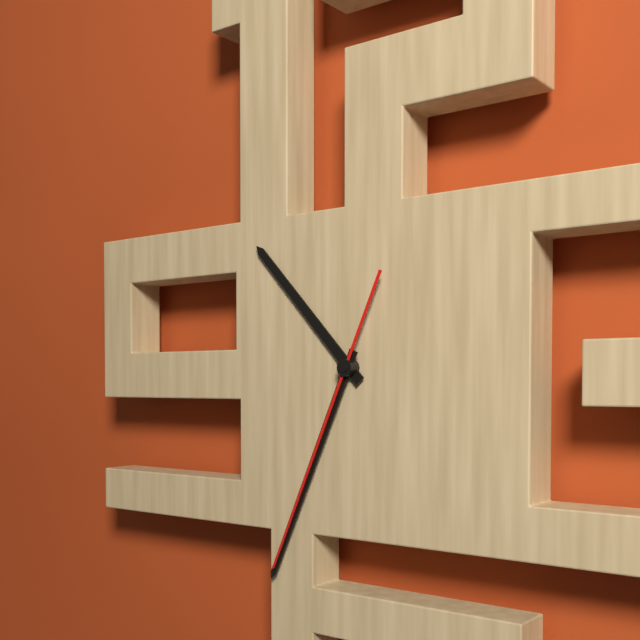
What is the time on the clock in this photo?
10:34:34
